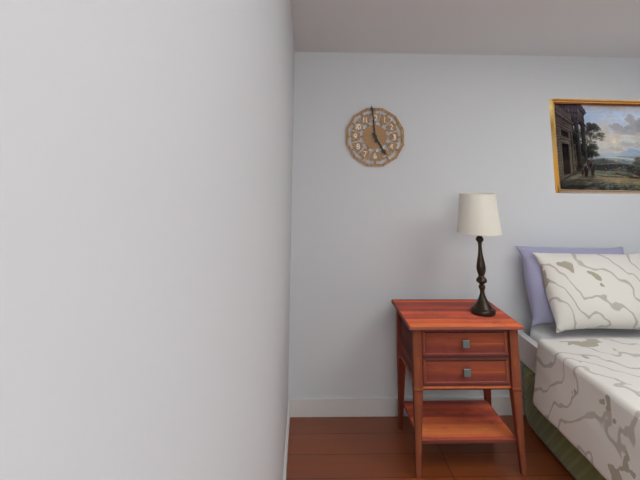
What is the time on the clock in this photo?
4:59
